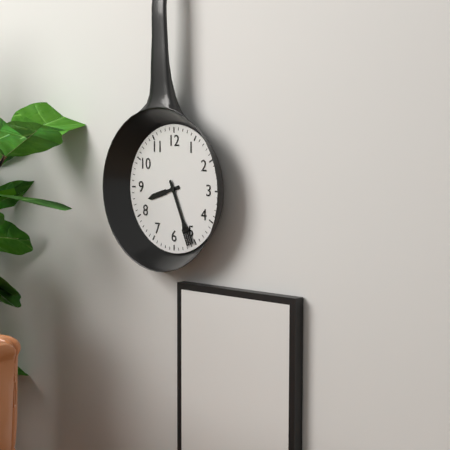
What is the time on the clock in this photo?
8:26
